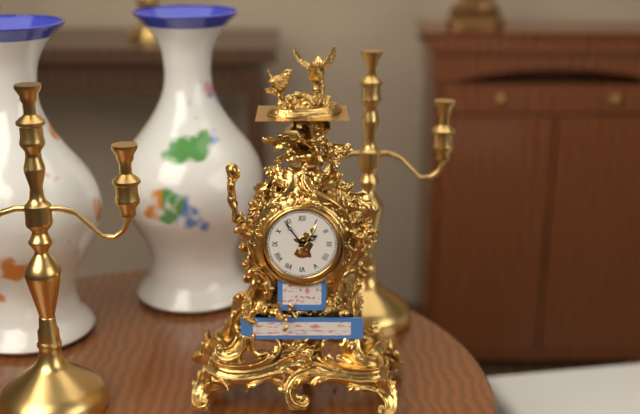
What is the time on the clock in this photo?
1:54
